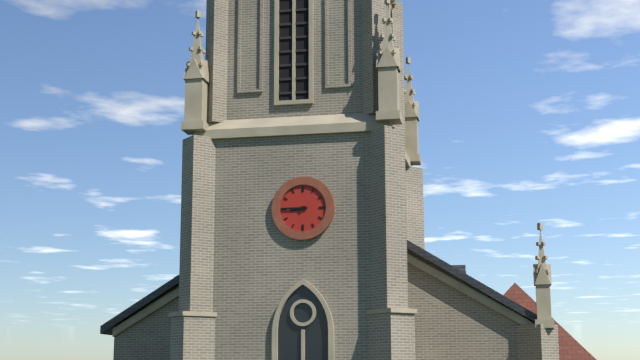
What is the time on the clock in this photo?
8:45
